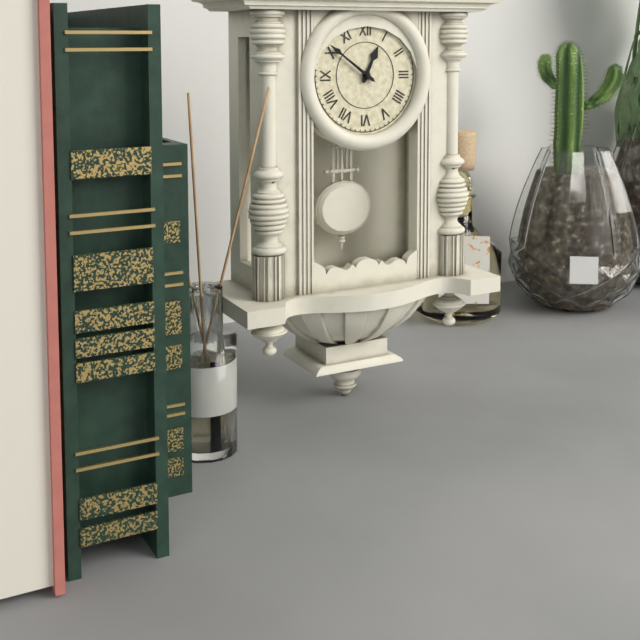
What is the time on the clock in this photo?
12:51
